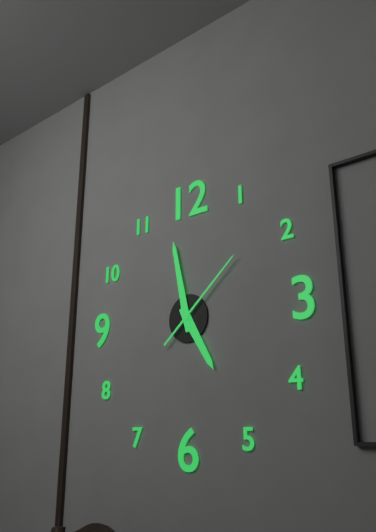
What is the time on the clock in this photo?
4:58:08
